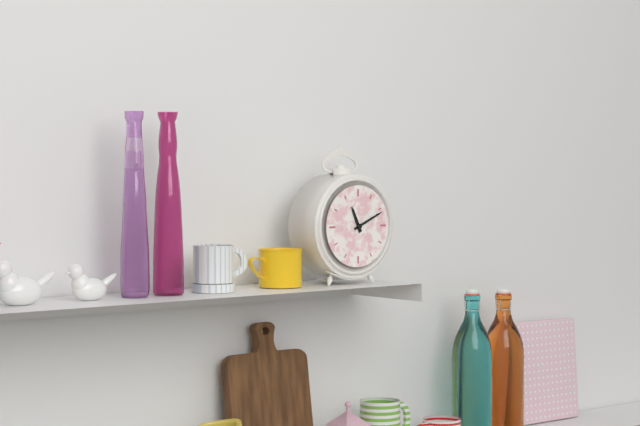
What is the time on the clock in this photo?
11:11
